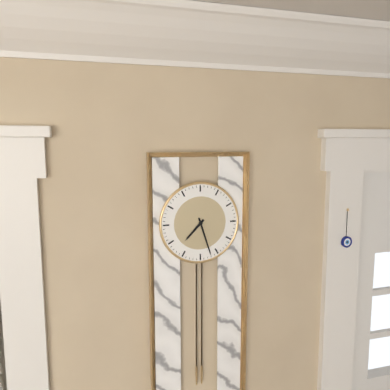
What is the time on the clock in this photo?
7:27
